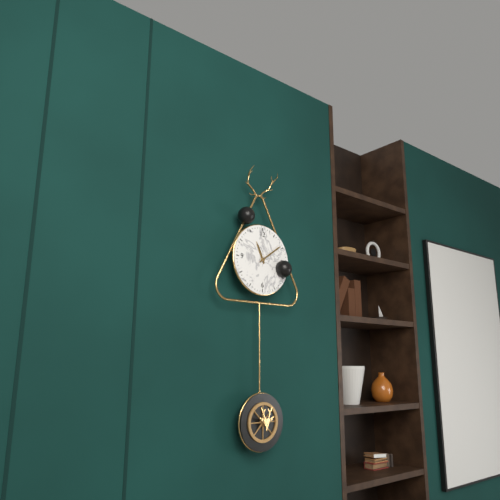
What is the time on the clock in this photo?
11:09
